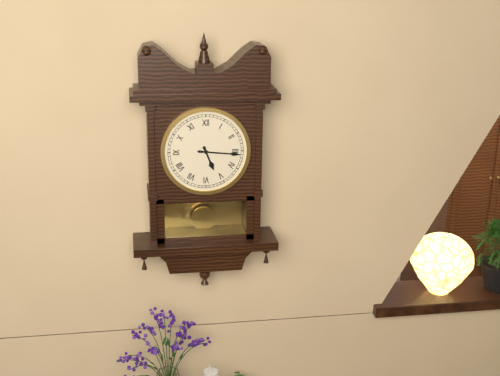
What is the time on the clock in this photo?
5:16
